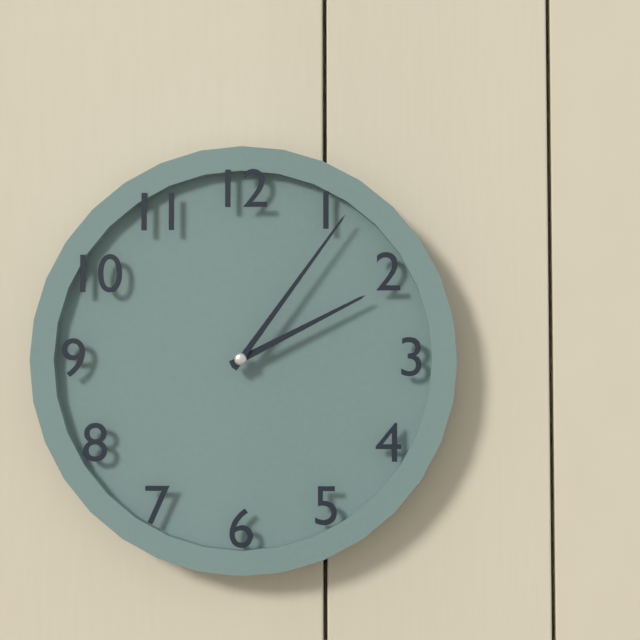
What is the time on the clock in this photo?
2:06
